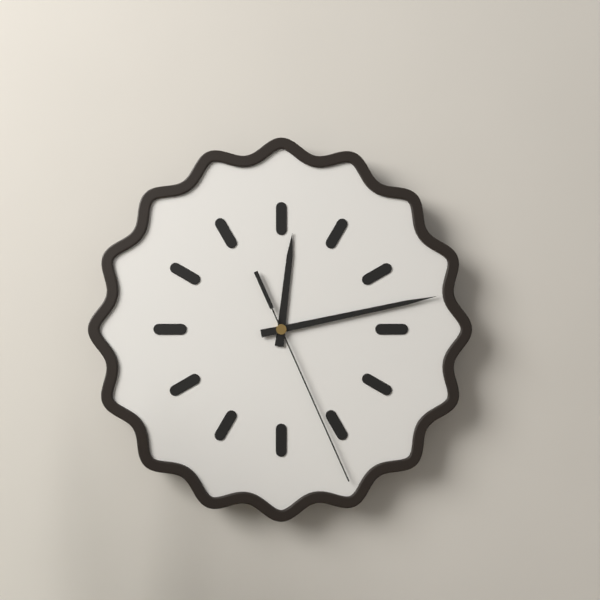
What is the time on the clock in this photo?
12:13:26
